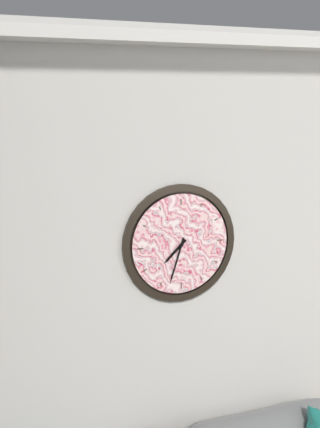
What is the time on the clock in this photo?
7:33
